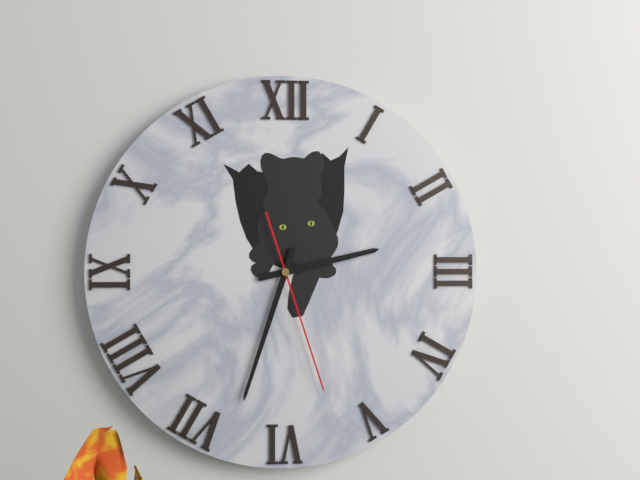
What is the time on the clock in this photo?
2:33:27
